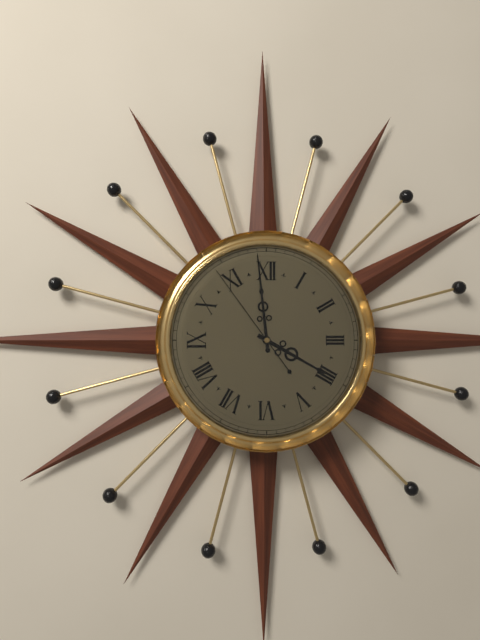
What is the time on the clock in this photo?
3:59:54
